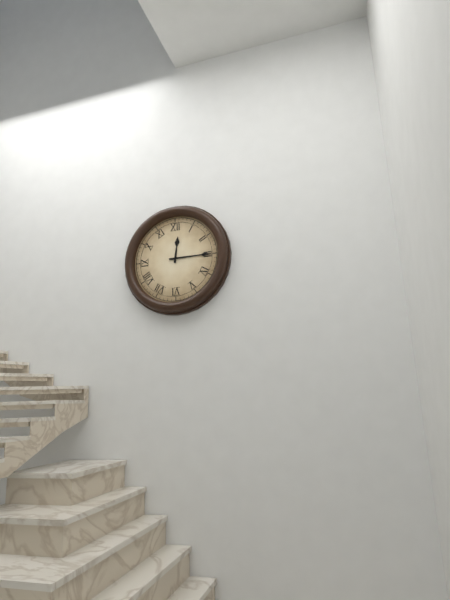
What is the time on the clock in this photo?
12:15
